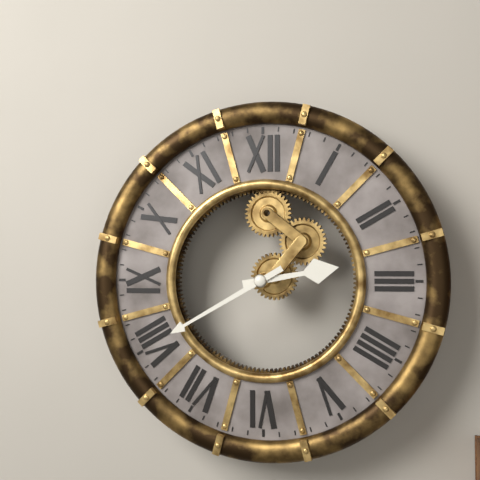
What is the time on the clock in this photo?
2:40
